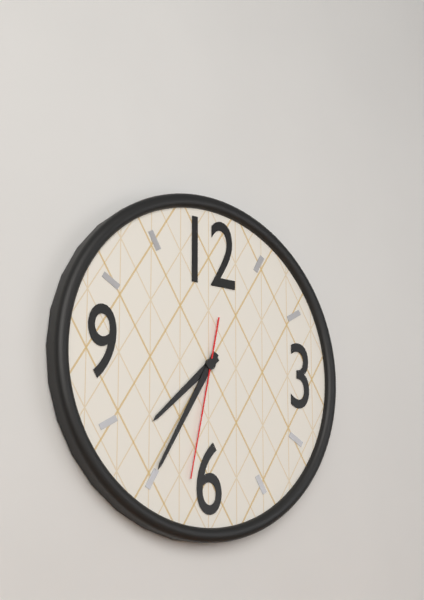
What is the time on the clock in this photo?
7:35:32
